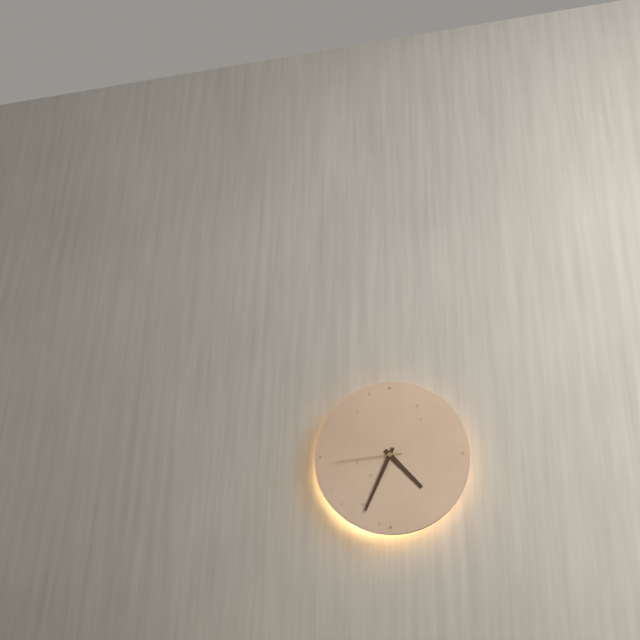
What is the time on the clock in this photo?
4:34:44
